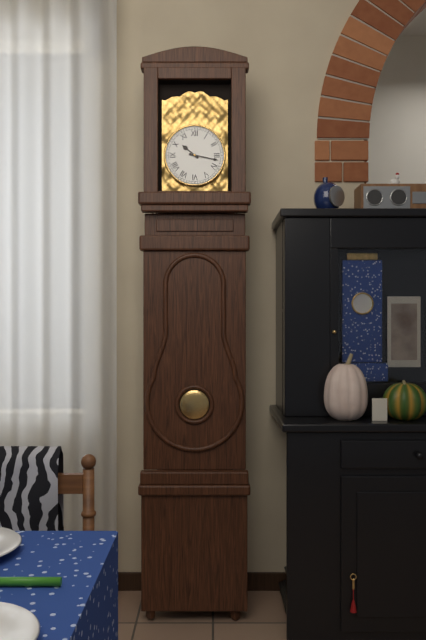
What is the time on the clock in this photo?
10:17
